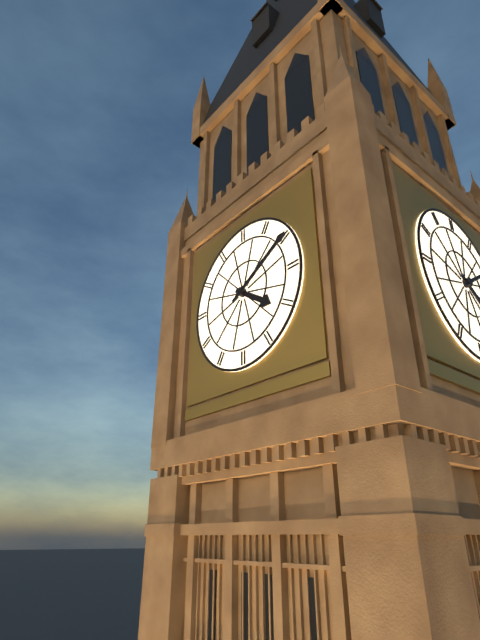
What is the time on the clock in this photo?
4:10
